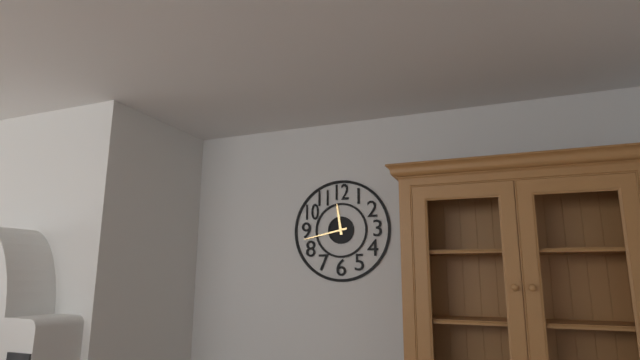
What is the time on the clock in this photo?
11:43
